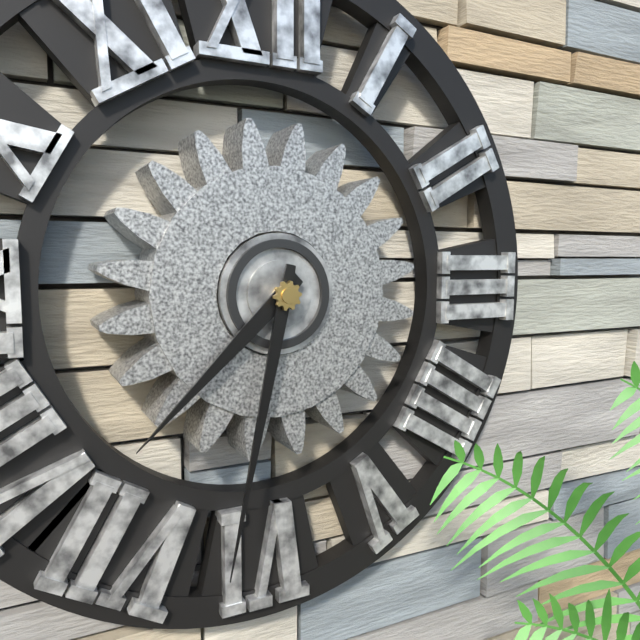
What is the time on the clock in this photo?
7:32
